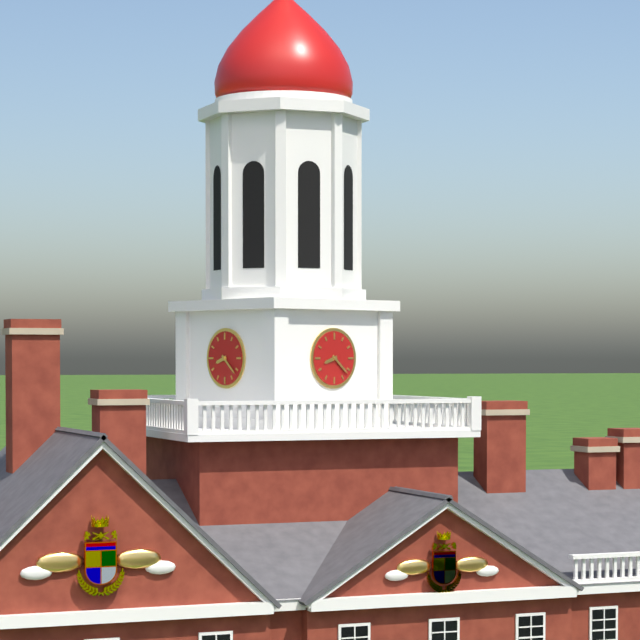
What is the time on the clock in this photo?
8:22
